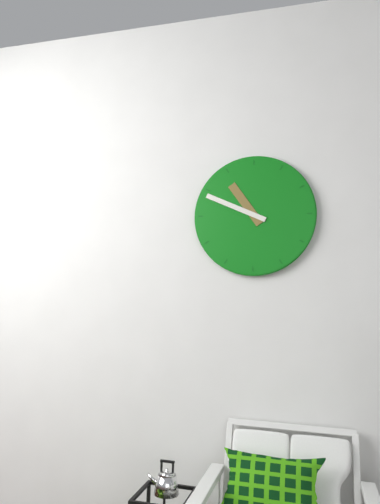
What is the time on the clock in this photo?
10:49
